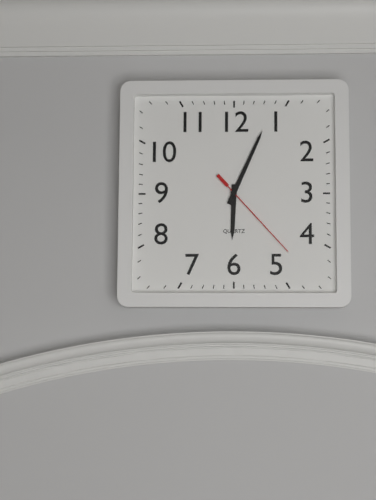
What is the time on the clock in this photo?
6:04:23
